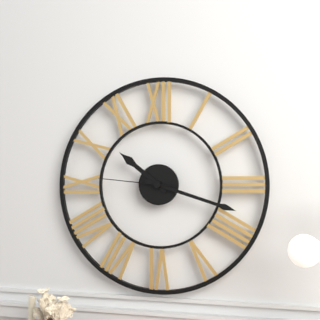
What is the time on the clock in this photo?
10:18:46
